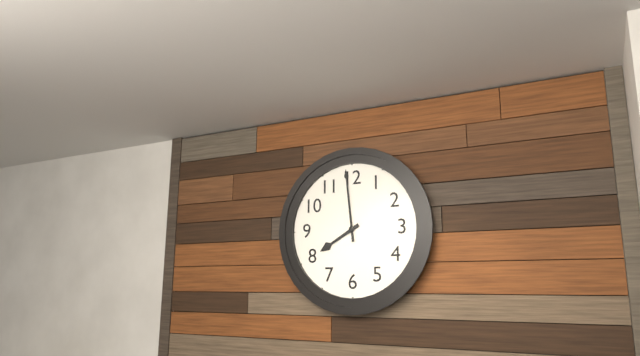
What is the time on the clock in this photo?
7:59
